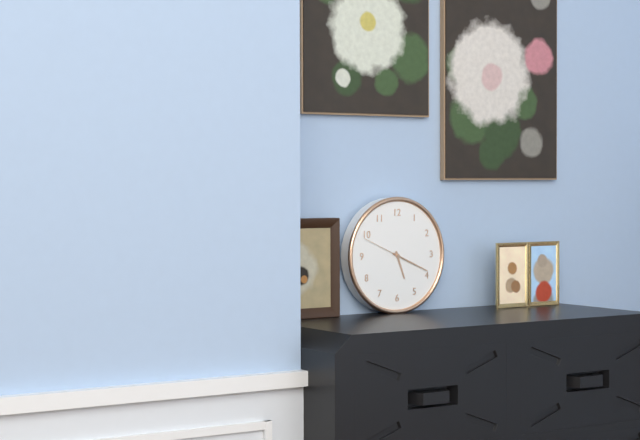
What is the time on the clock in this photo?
5:19
